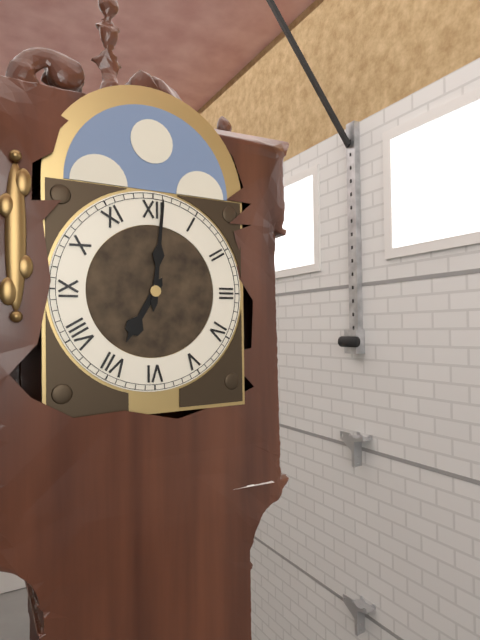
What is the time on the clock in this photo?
7:01
